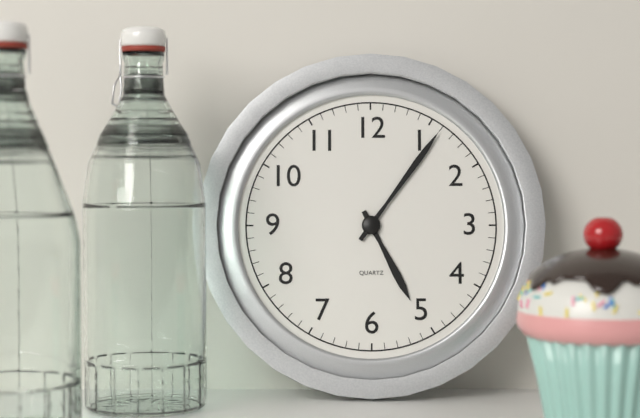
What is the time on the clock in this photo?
5:06
